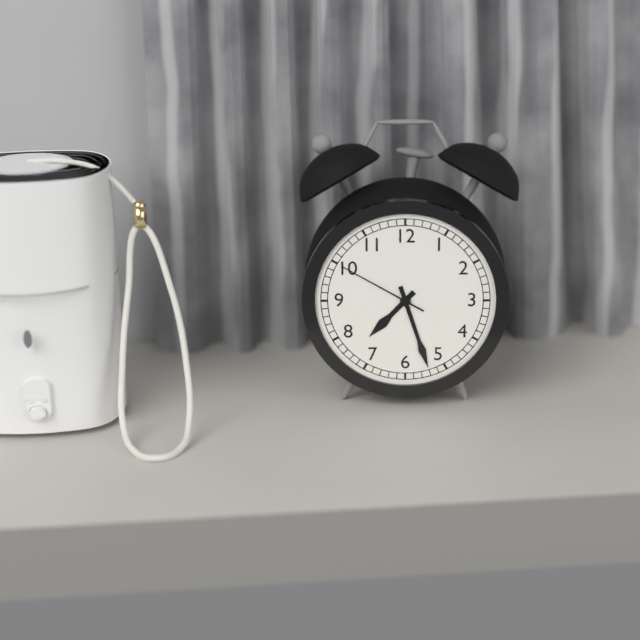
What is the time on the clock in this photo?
7:27:50
